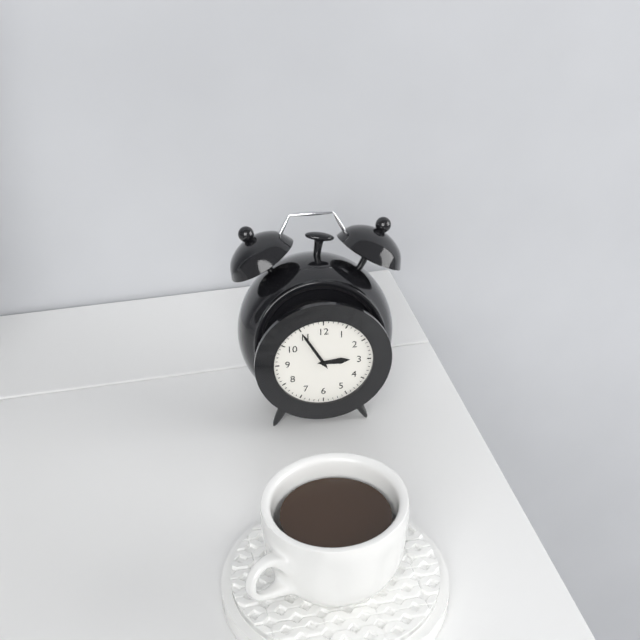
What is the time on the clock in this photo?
2:55
